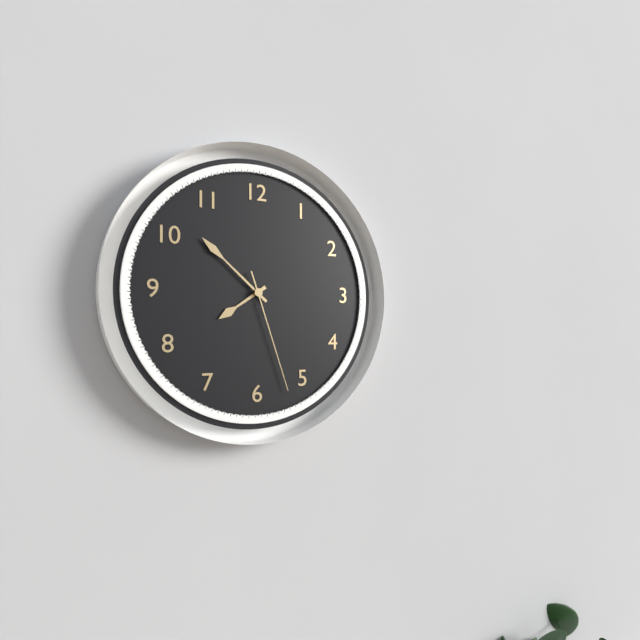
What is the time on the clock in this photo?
7:52:27
